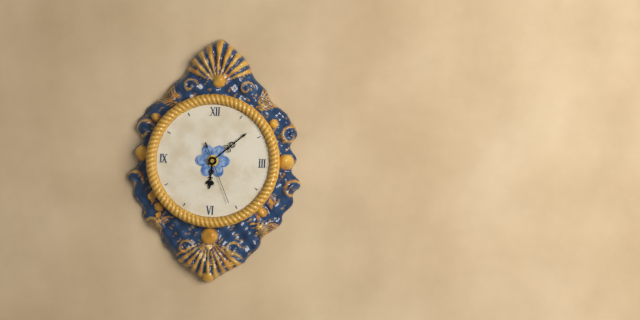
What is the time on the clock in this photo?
6:08:26
